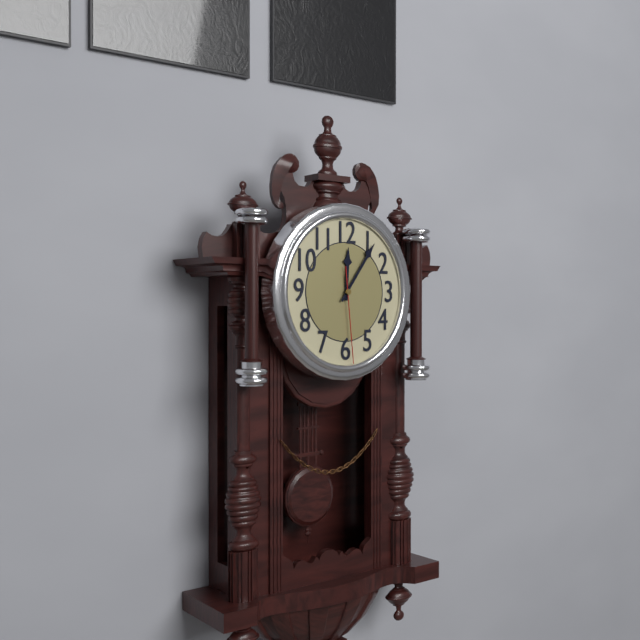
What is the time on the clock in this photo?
12:06:29
